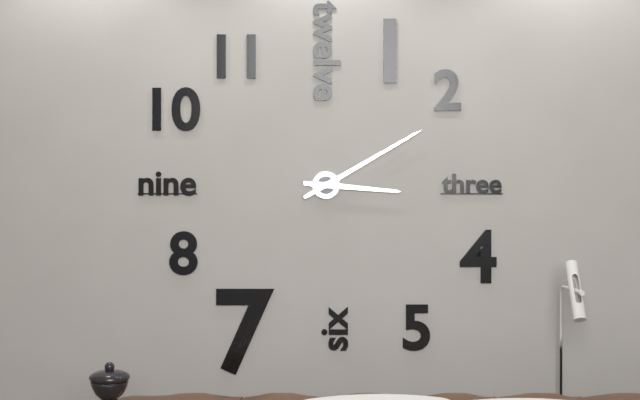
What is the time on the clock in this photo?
3:10
